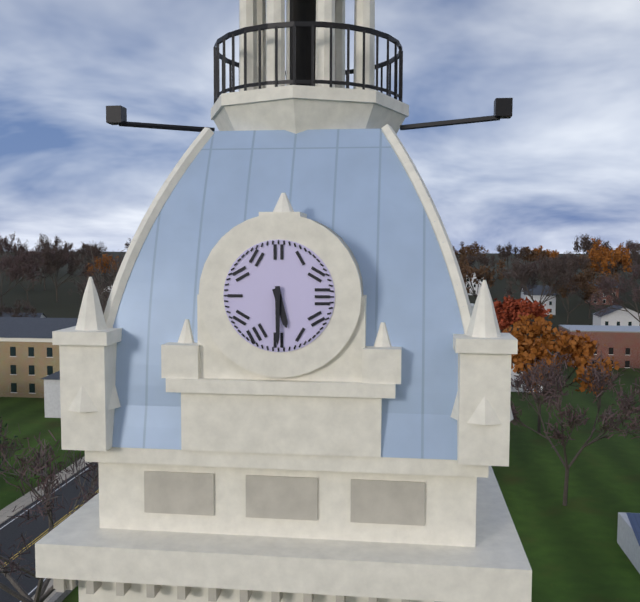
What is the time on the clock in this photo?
5:30
